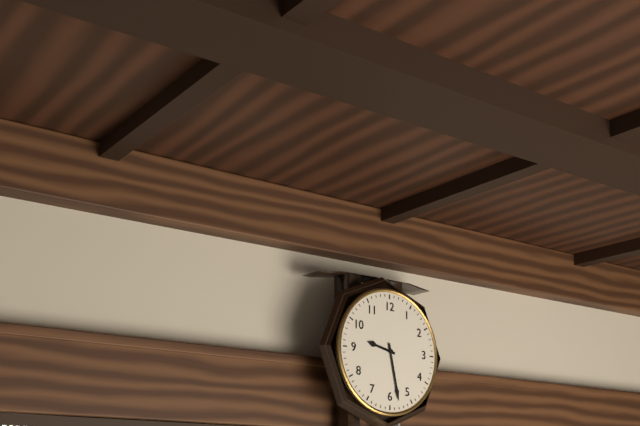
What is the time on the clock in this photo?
9:28
